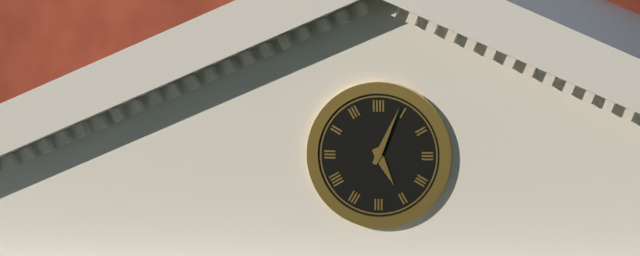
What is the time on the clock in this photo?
5:04
